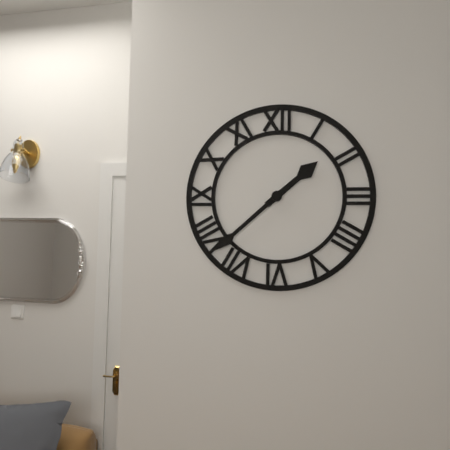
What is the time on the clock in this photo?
1:38
